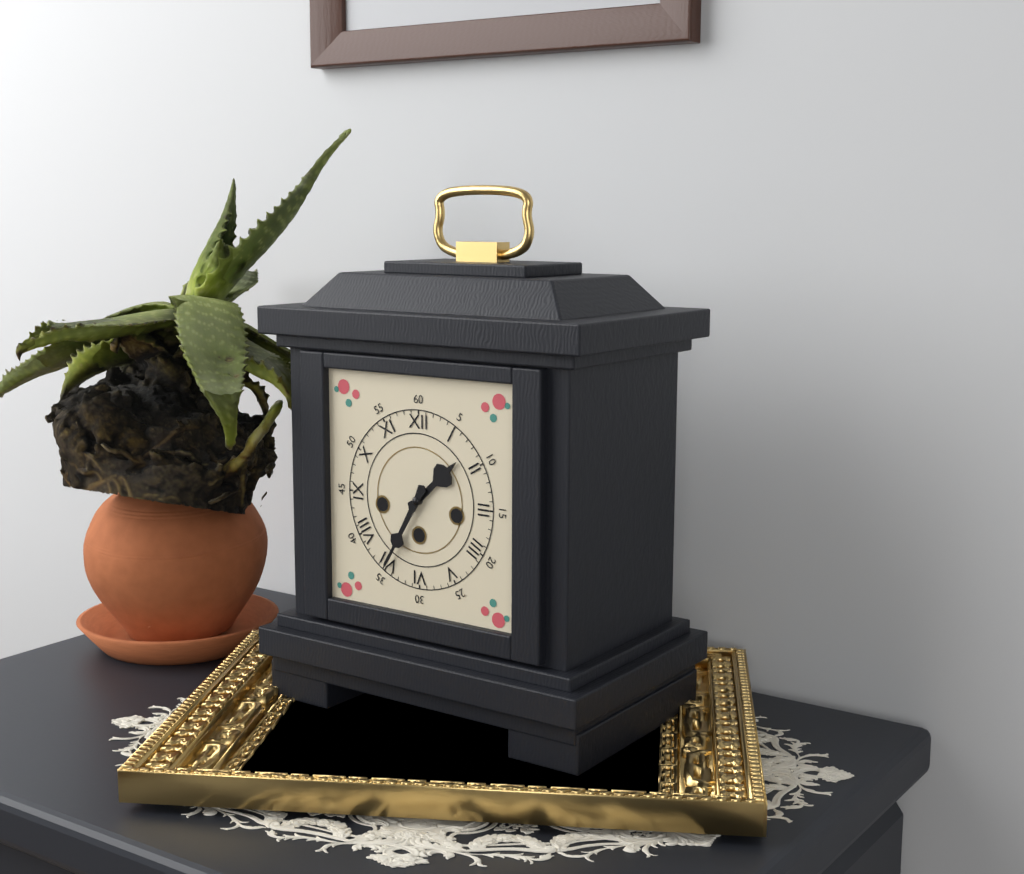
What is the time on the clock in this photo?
1:35
